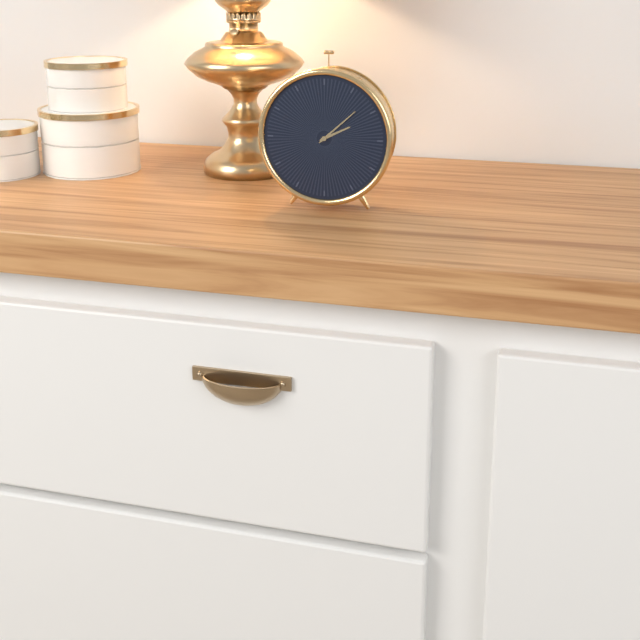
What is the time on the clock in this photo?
2:08
